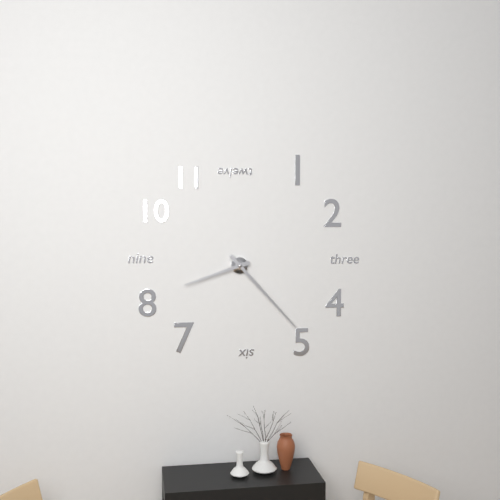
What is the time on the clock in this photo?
8:23
